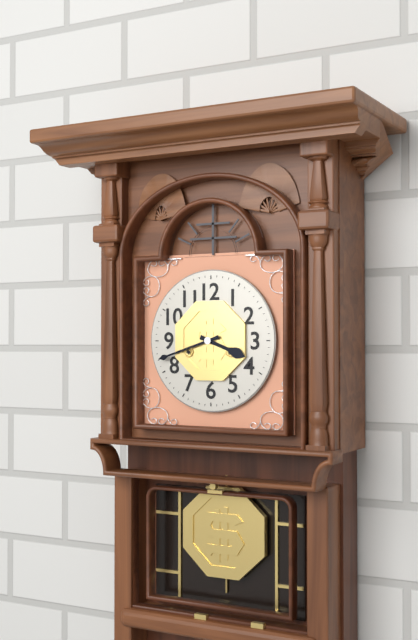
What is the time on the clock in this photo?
3:42
